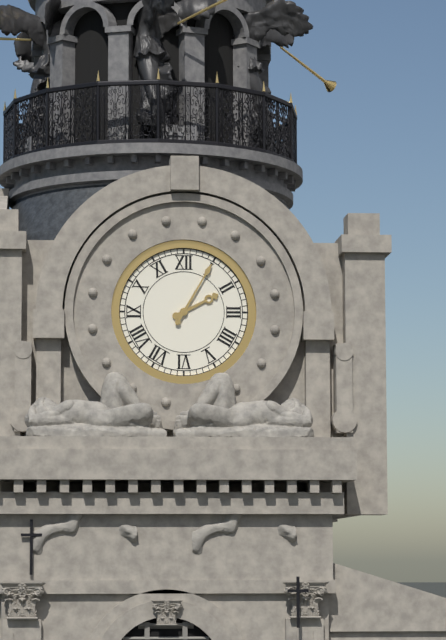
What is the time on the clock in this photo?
2:05
